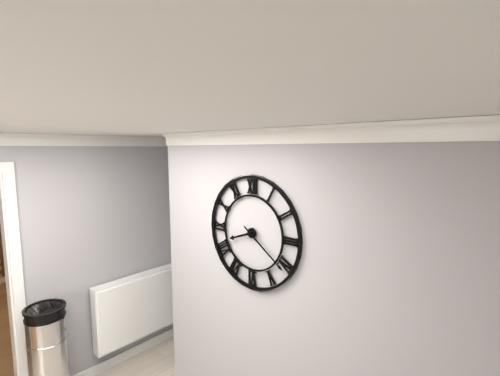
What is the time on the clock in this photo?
8:21
